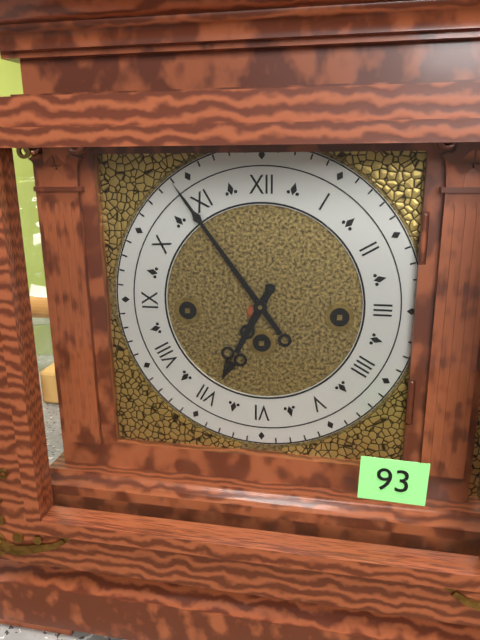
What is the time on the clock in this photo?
6:54
